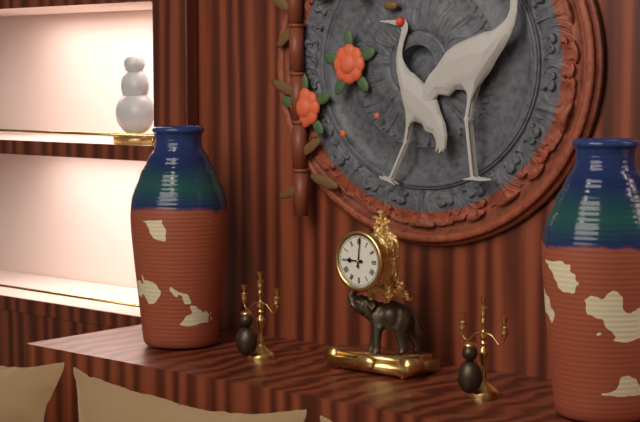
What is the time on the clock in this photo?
9:01
